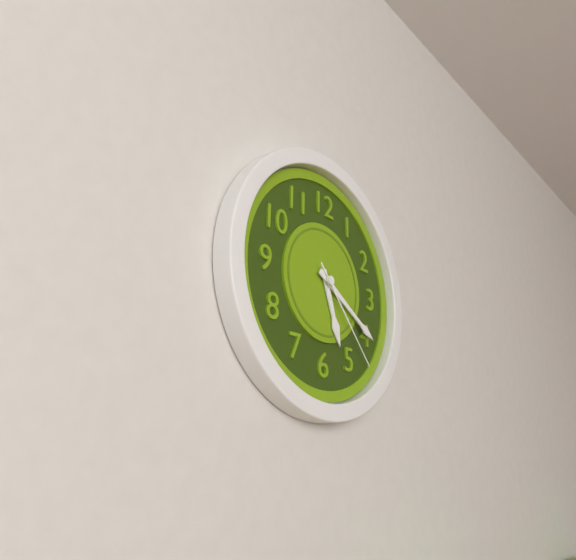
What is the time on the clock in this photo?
5:20:23
